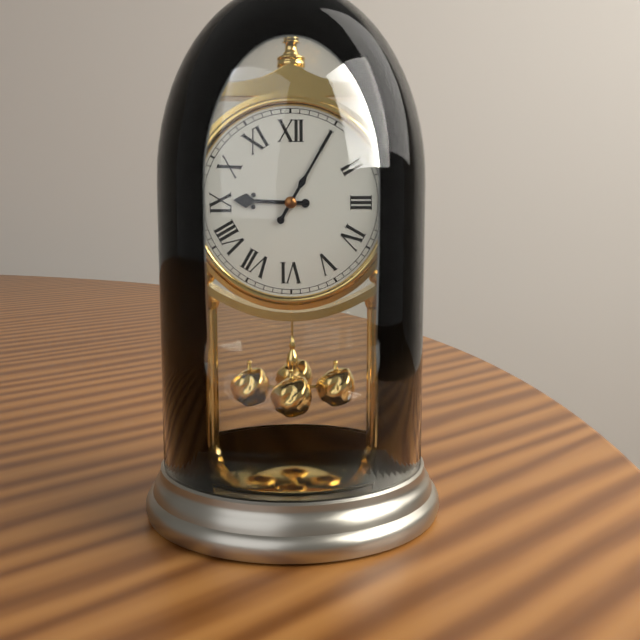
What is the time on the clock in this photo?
9:05
